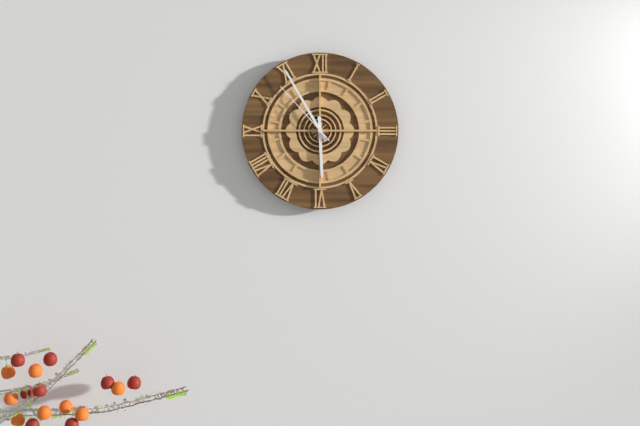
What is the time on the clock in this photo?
5:55:53
